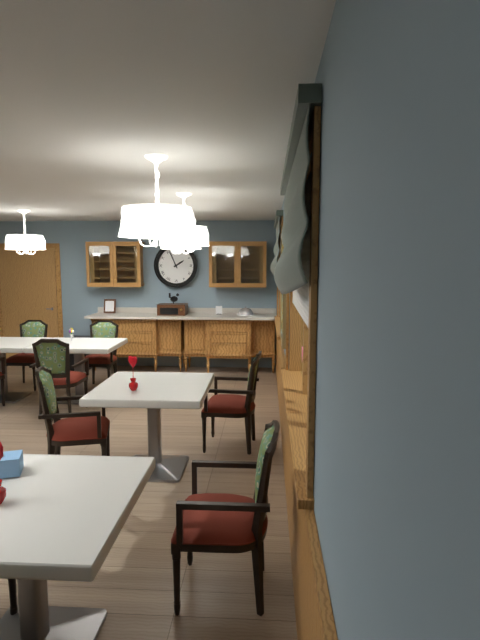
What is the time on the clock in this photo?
1:56
